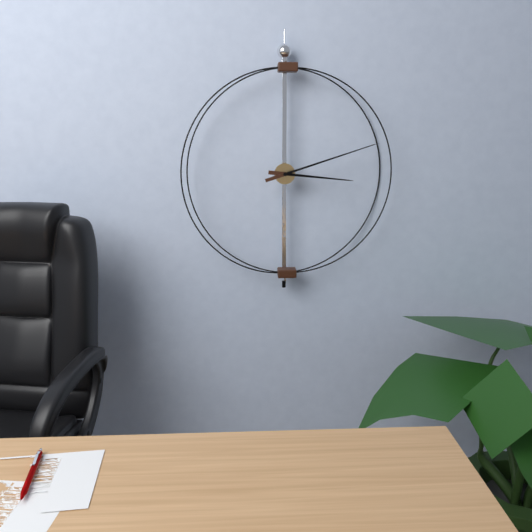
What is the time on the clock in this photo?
3:12
